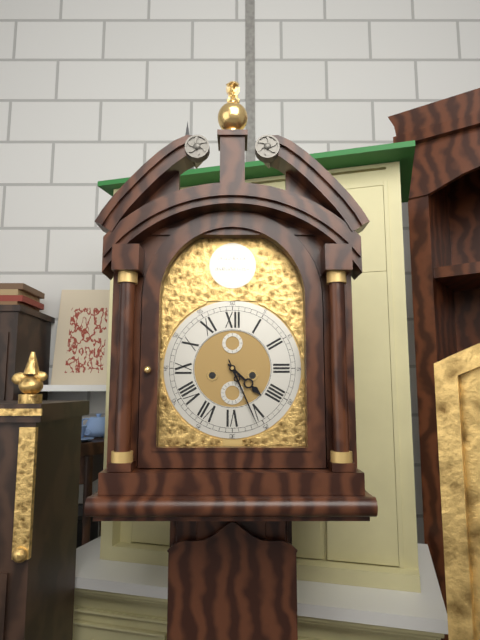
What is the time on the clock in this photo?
4:26
